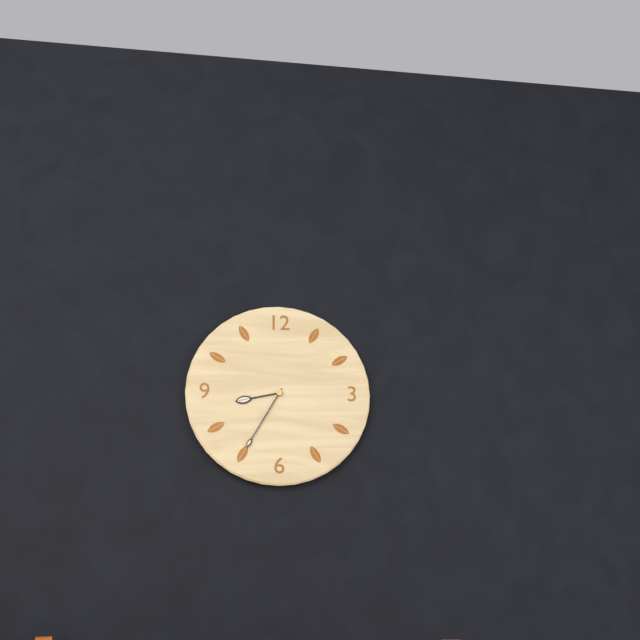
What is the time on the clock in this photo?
8:35
